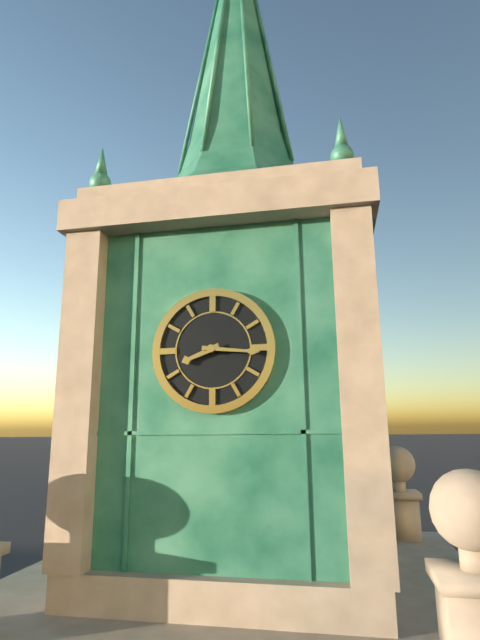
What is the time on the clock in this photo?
8:16
